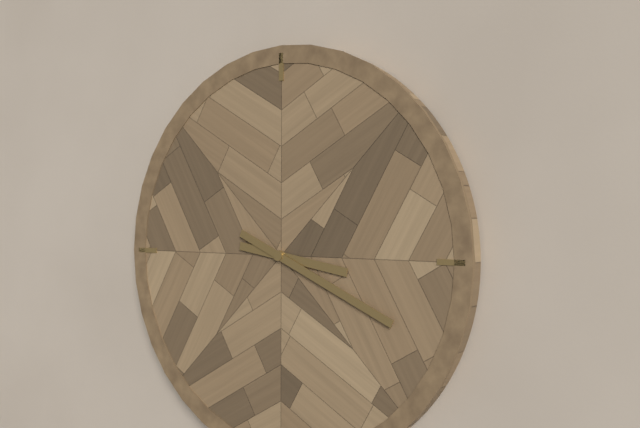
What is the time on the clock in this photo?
3:19
